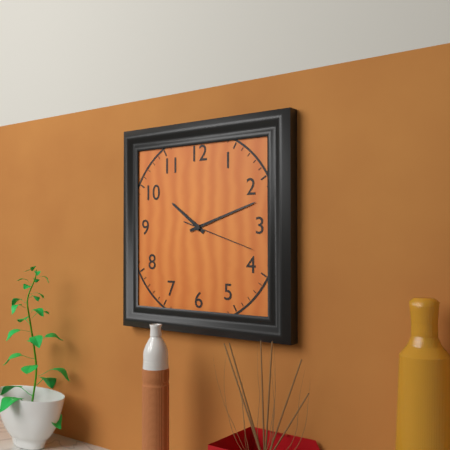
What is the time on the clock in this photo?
10:12:18
